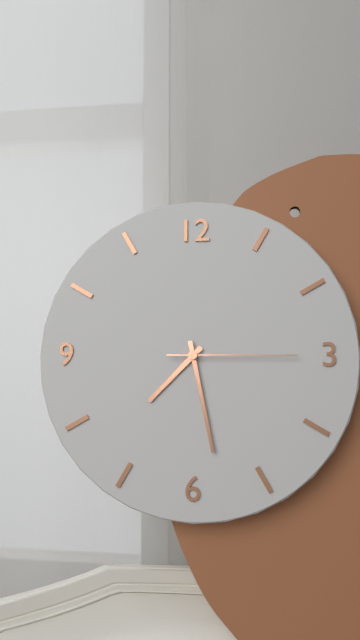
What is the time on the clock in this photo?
7:28:15
